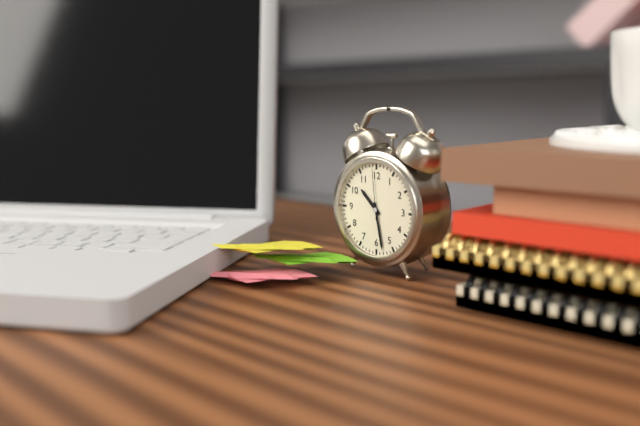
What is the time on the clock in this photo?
10:28:59
